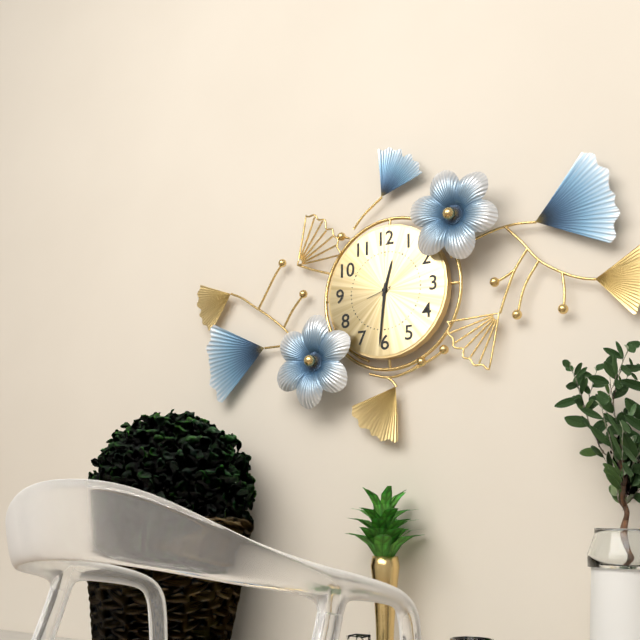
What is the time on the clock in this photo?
12:31
